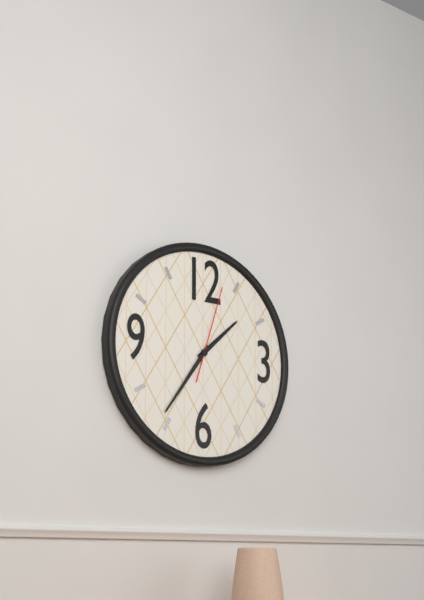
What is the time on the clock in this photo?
1:36:03
